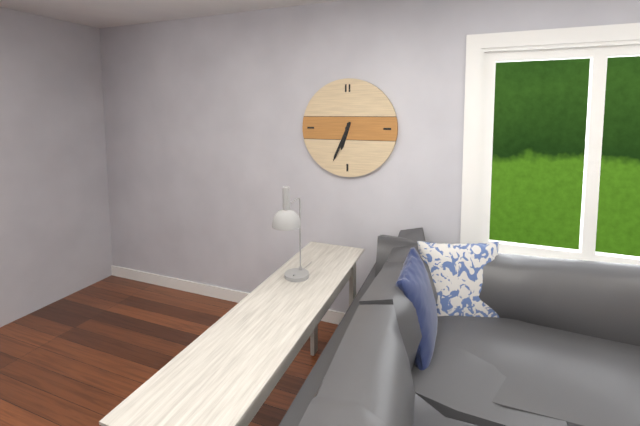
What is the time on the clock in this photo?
6:34
